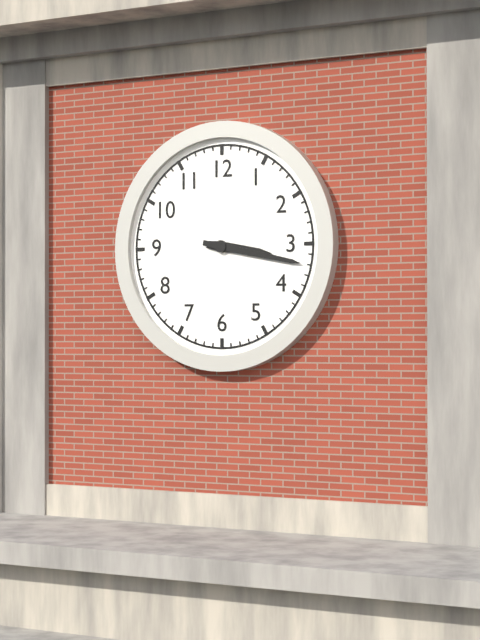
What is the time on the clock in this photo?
3:17
